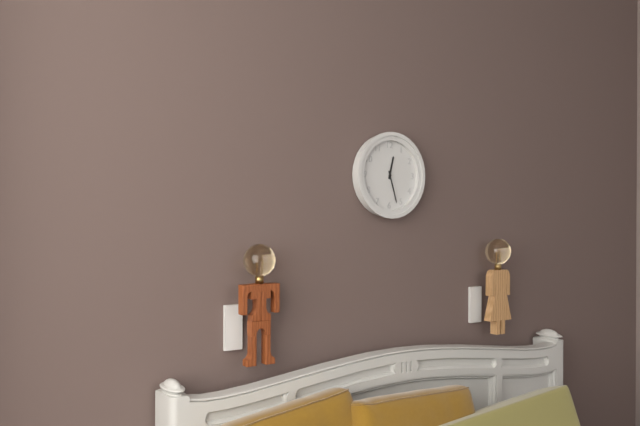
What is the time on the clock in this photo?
12:27
